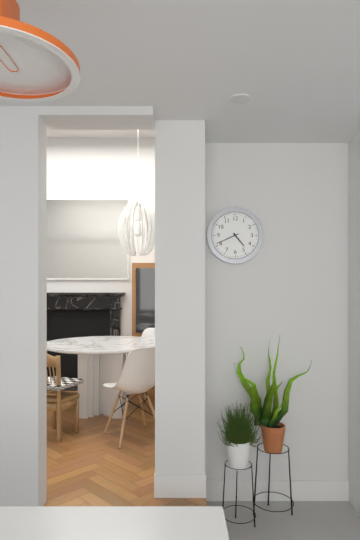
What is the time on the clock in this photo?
4:41
